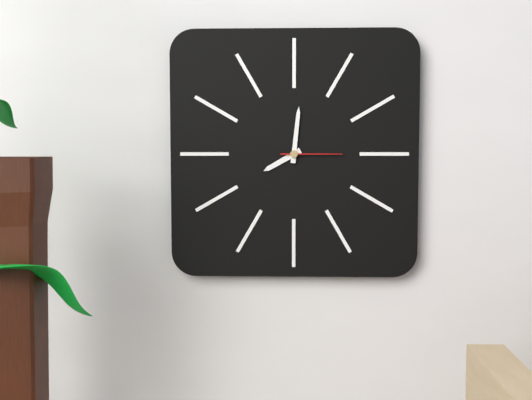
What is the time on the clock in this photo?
8:01:15
